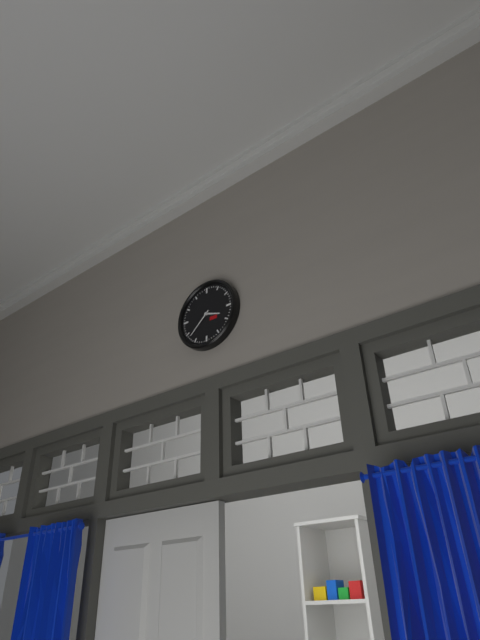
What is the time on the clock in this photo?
3:38
